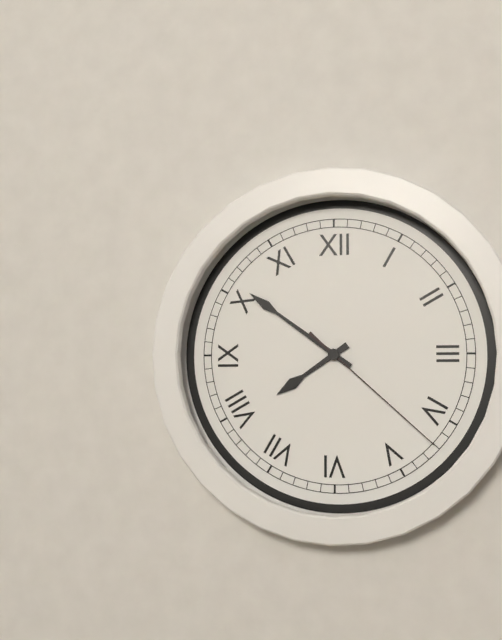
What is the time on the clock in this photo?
7:51:22
